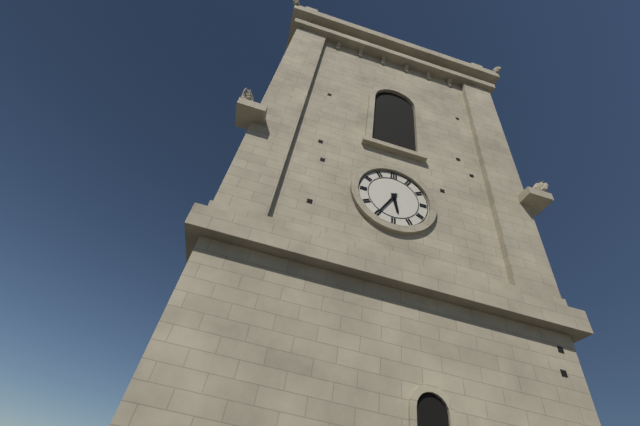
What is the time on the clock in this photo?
5:35
